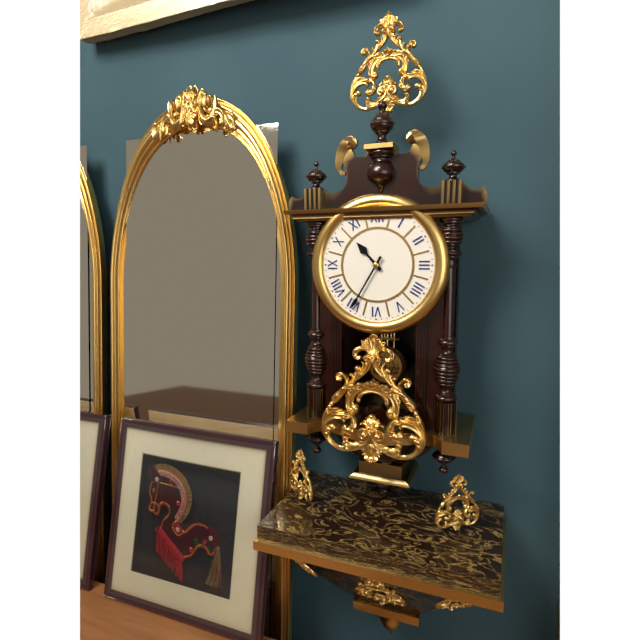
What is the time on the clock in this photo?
10:35
